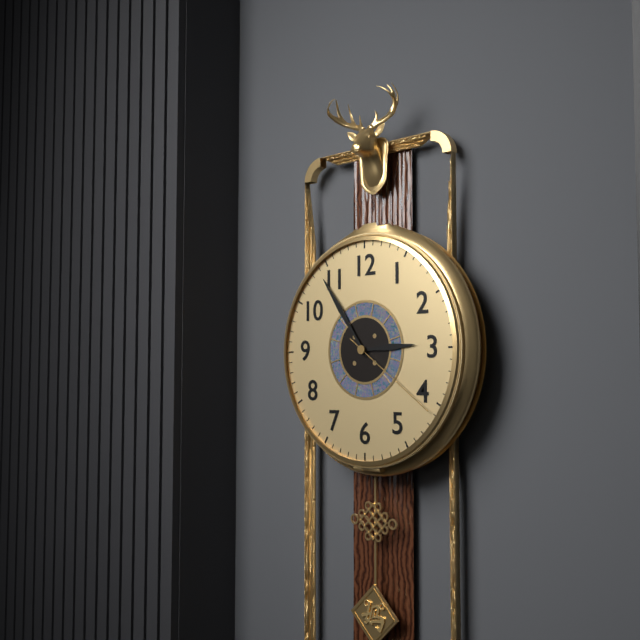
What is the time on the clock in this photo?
2:54:21
